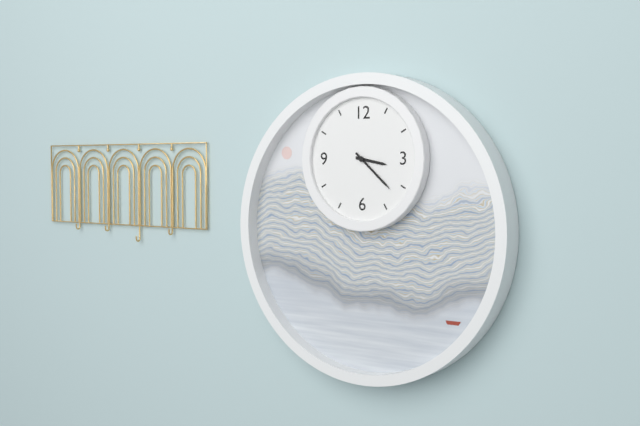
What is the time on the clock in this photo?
3:22
